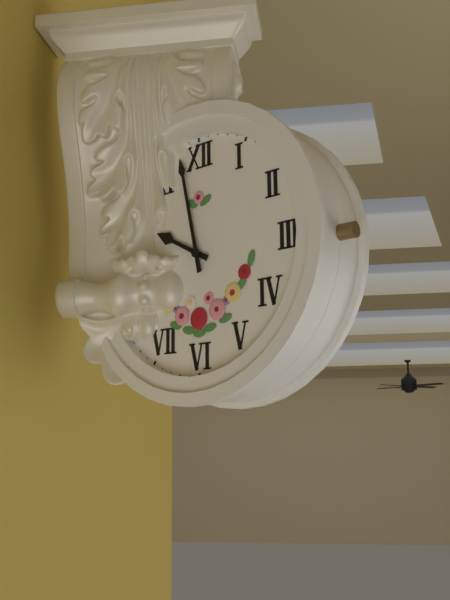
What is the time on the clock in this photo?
9:58
